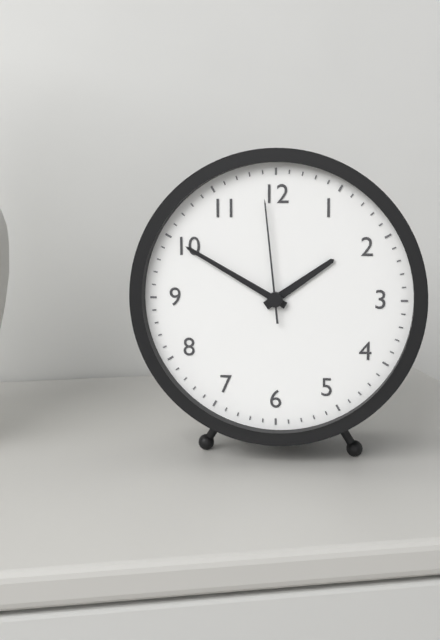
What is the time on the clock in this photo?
1:50:59
